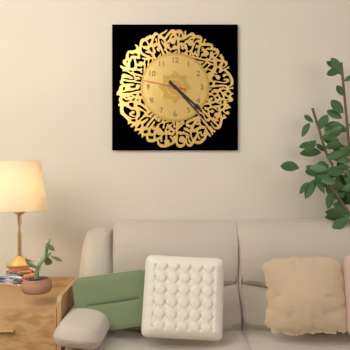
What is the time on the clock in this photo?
4:23:47
